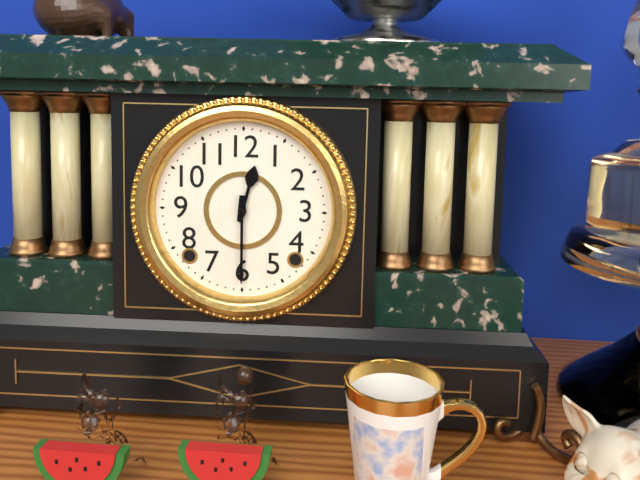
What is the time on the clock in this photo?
12:30
